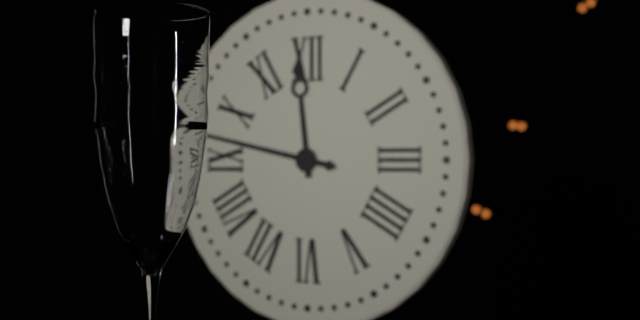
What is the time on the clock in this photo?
11:47
